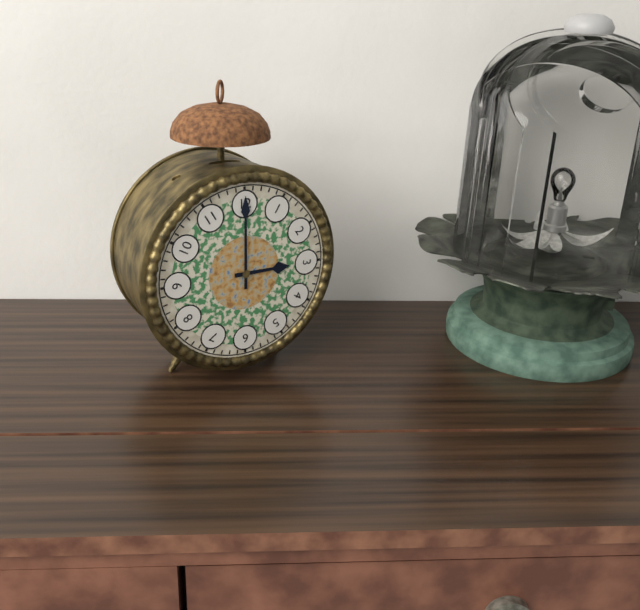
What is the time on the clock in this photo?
3:00
